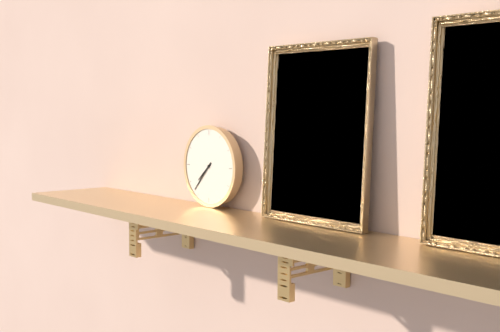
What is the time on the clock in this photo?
7:37
